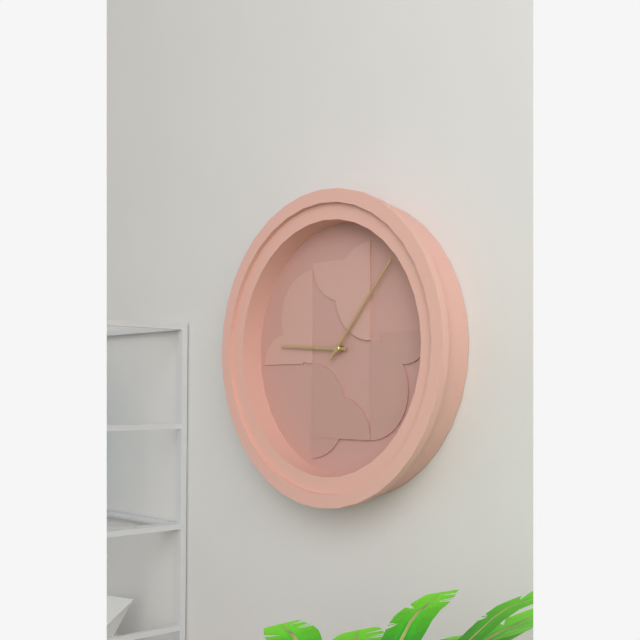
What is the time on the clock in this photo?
9:07
